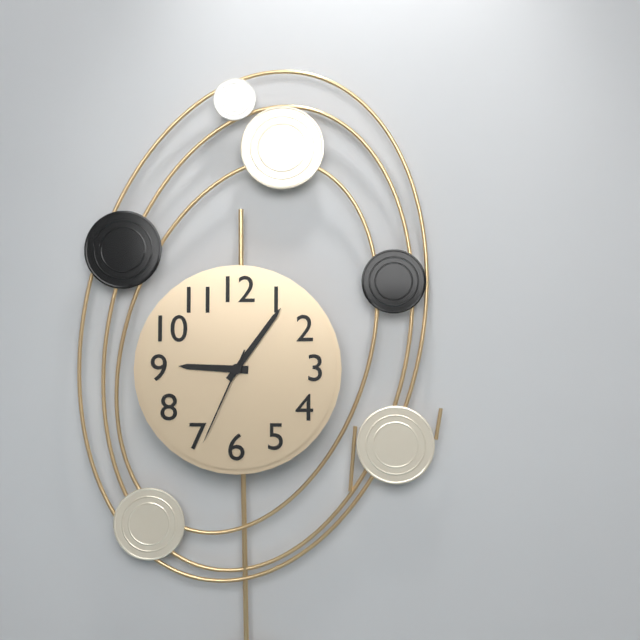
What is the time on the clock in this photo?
9:06:34
